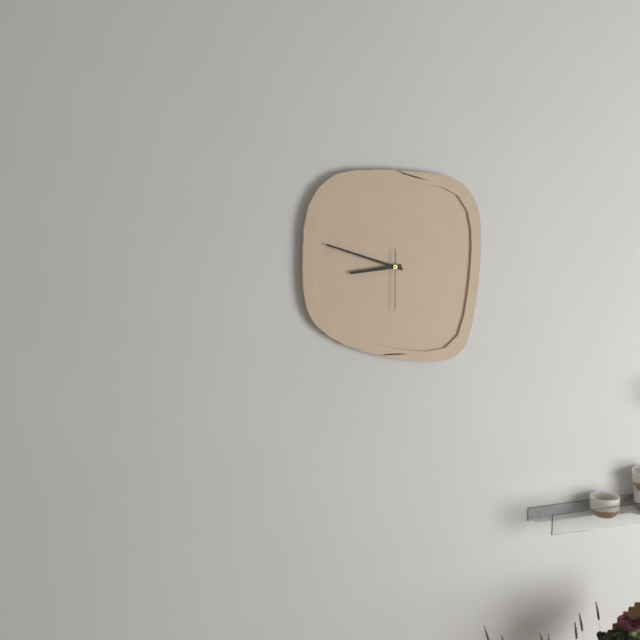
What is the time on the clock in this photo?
8:48:30
